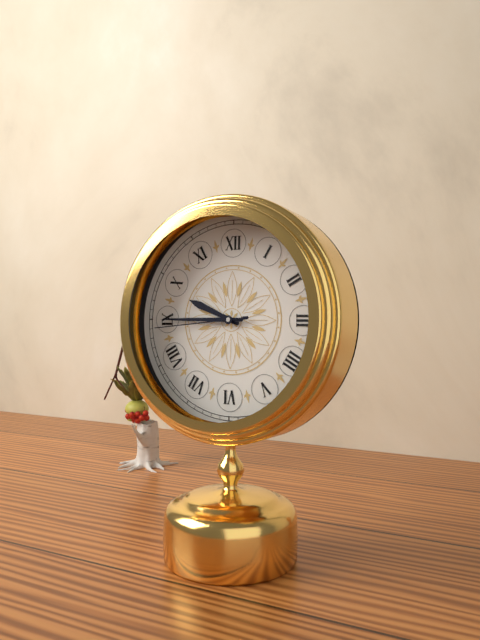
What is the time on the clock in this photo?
9:45:44
